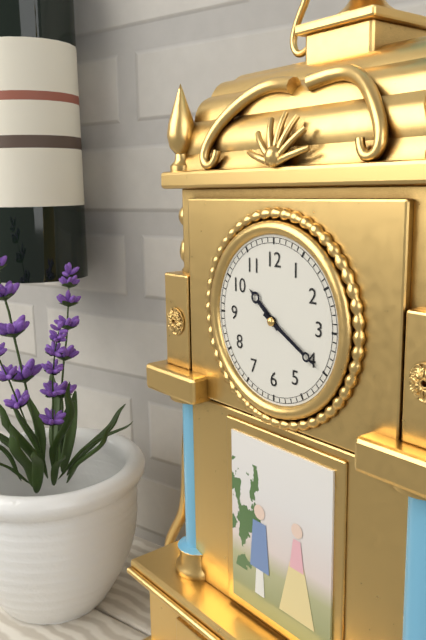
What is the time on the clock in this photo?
10:20
